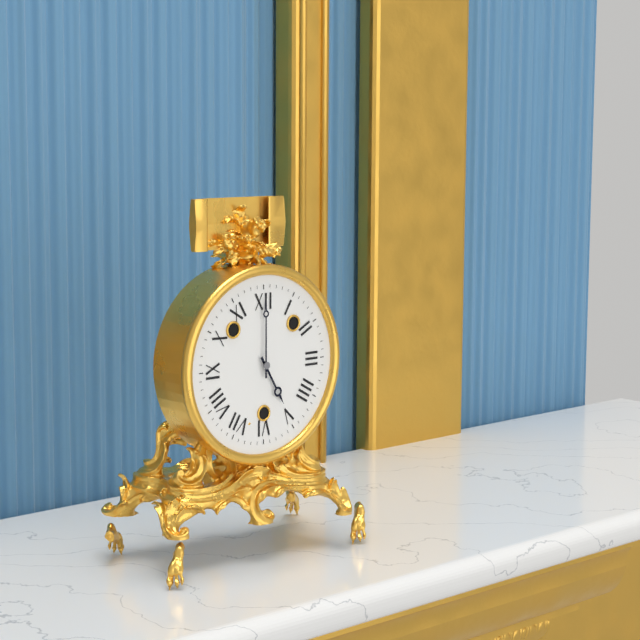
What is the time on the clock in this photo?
5:00
